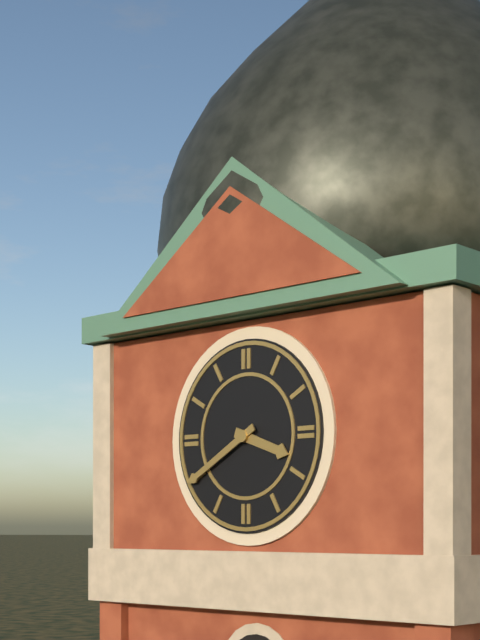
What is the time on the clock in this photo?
3:40
